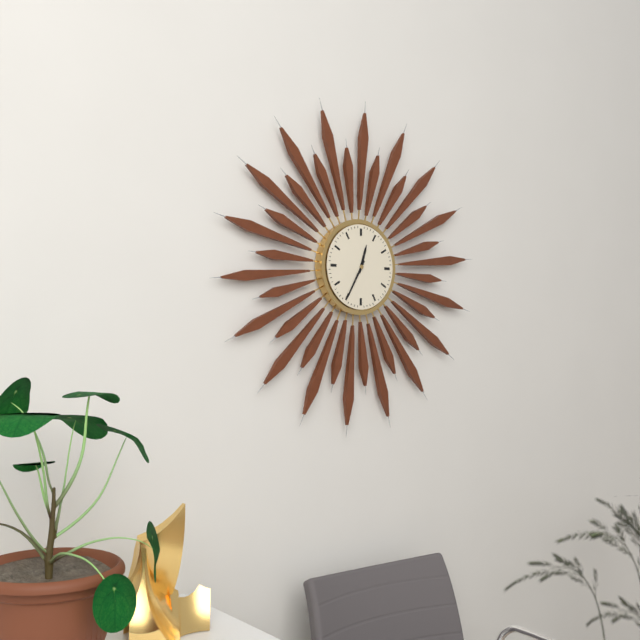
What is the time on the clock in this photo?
12:35
